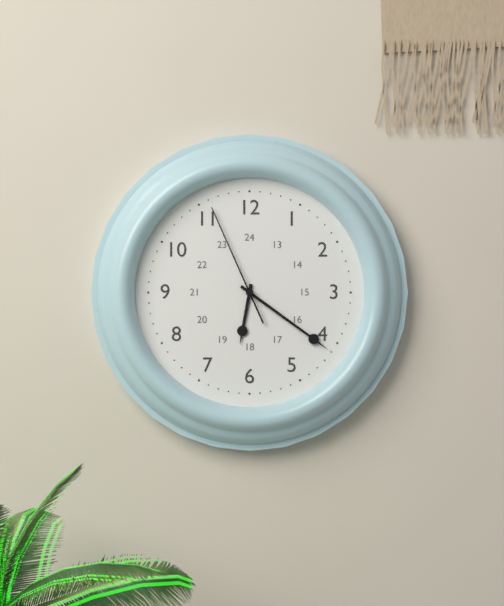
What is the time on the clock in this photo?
6:21:56
